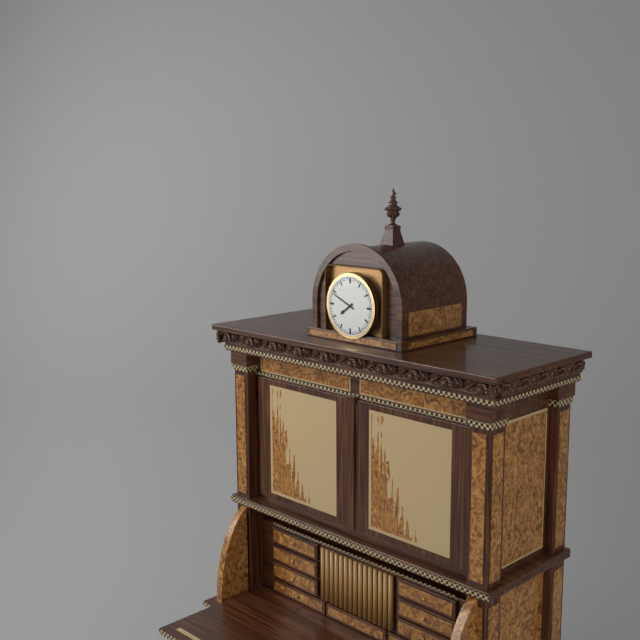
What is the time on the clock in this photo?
7:49
